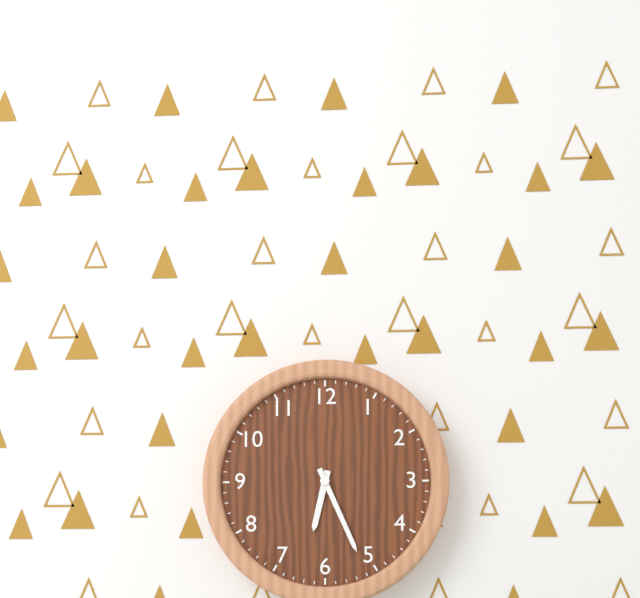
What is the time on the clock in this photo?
6:26
